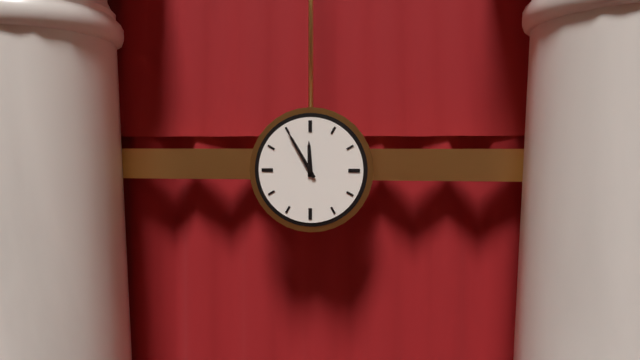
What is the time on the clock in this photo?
11:55
